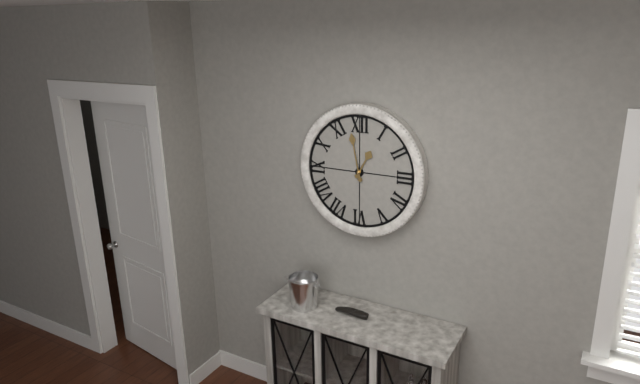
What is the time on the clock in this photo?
12:58
